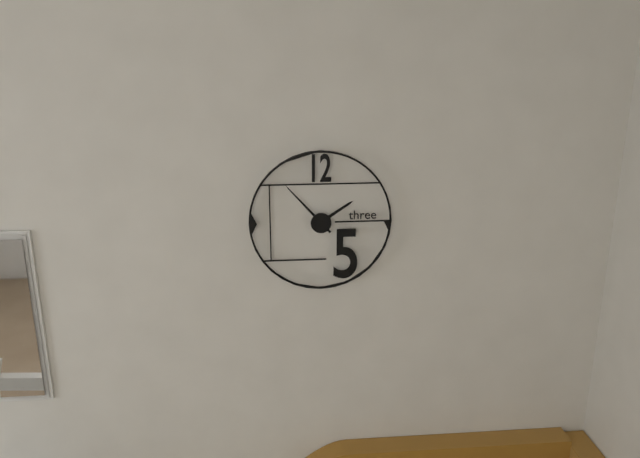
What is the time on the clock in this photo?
1:53
